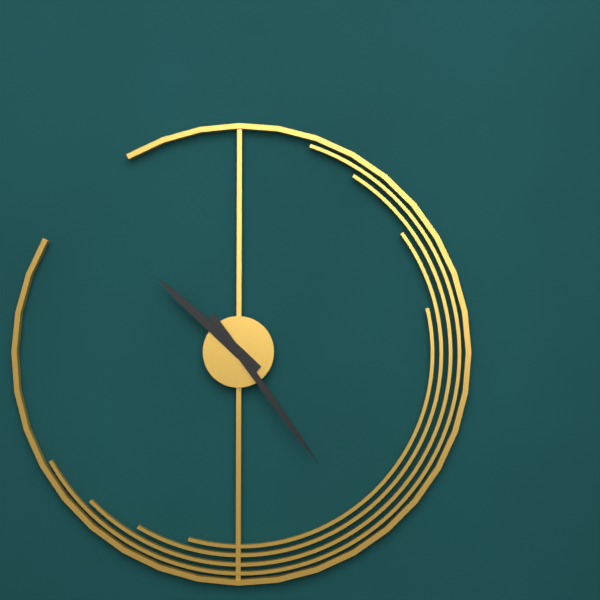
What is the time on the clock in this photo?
10:24
